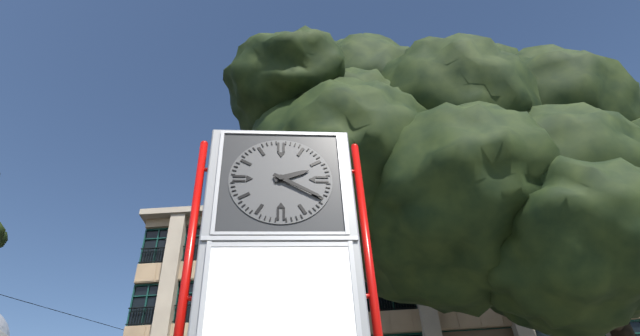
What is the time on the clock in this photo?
2:20
